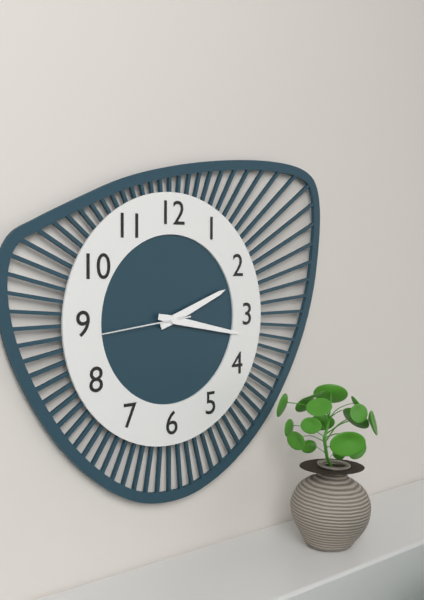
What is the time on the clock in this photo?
2:17:44
